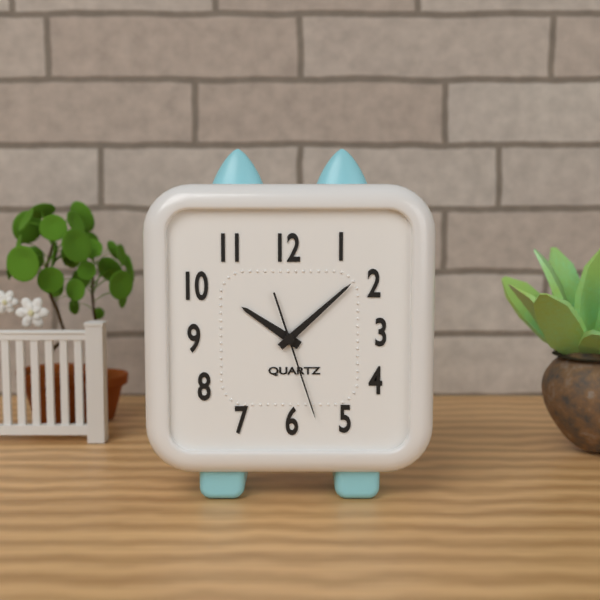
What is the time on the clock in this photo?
10:08:27
